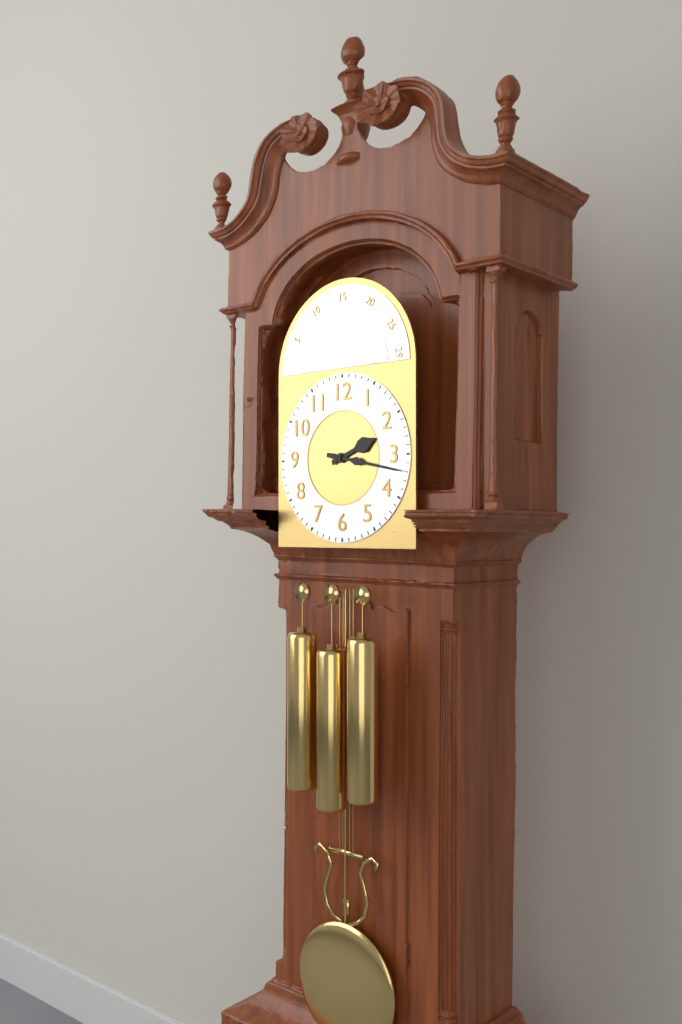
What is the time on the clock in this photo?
2:17
